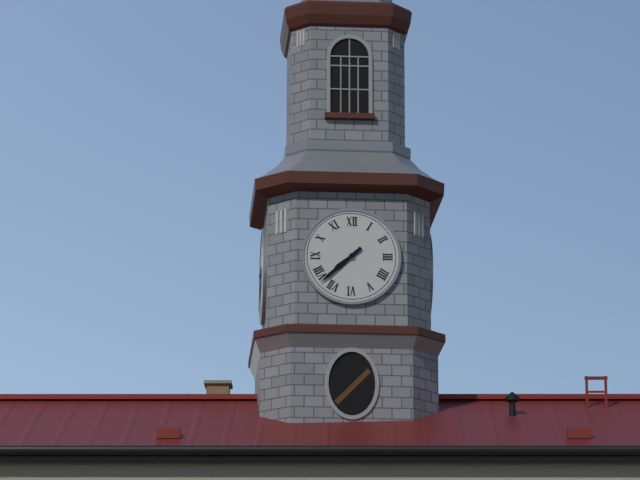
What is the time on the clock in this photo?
7:38
